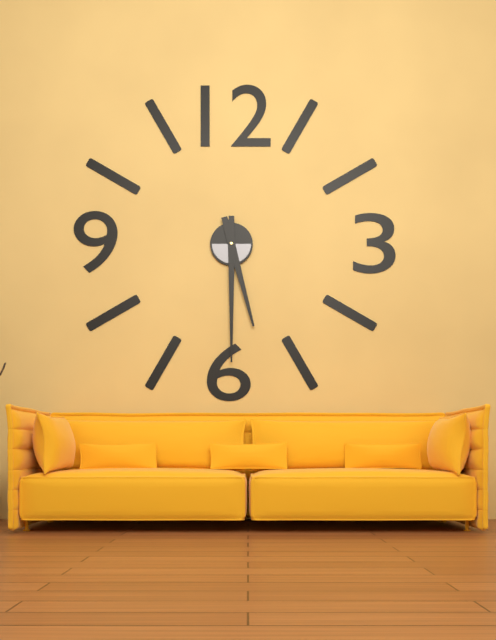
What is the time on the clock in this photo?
5:30
